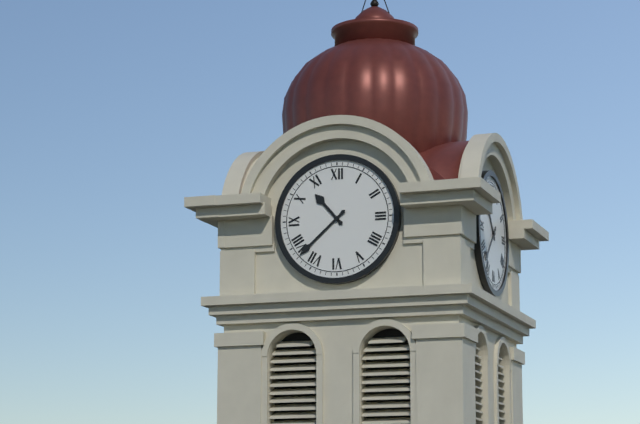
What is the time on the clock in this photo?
10:38
